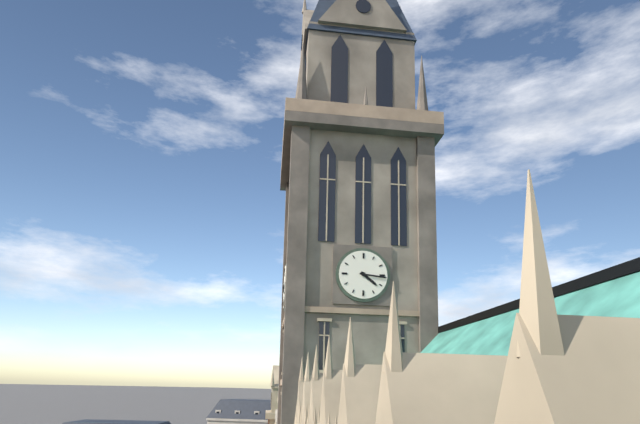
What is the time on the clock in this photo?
4:16
